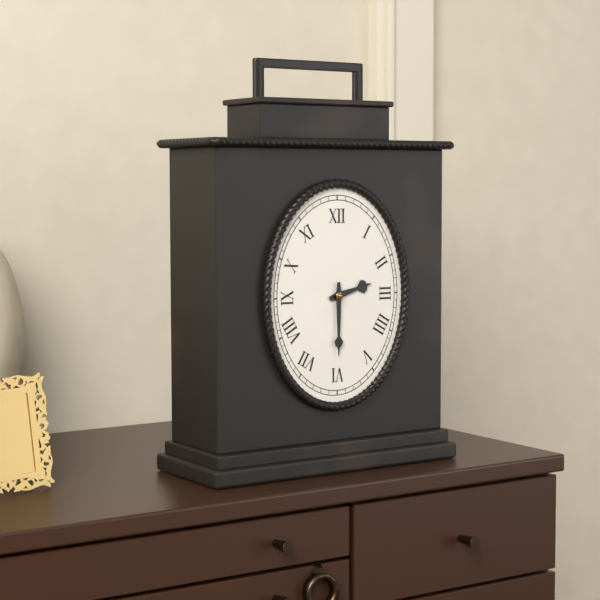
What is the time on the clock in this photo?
2:30
